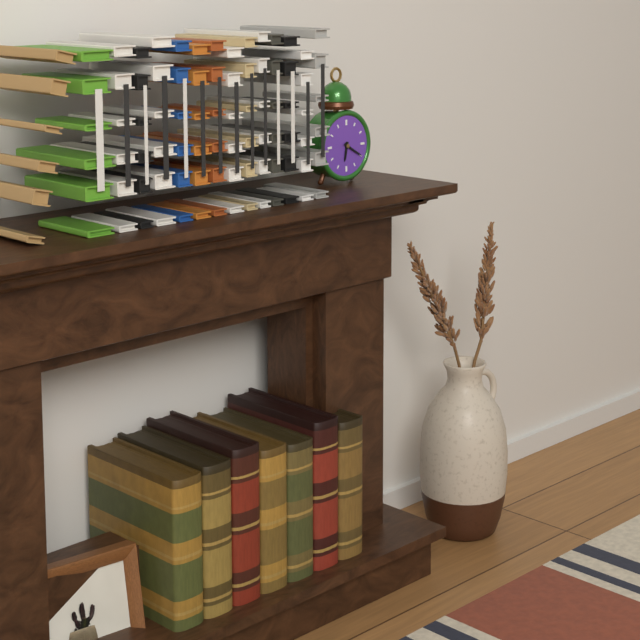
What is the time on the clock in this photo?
6:20
